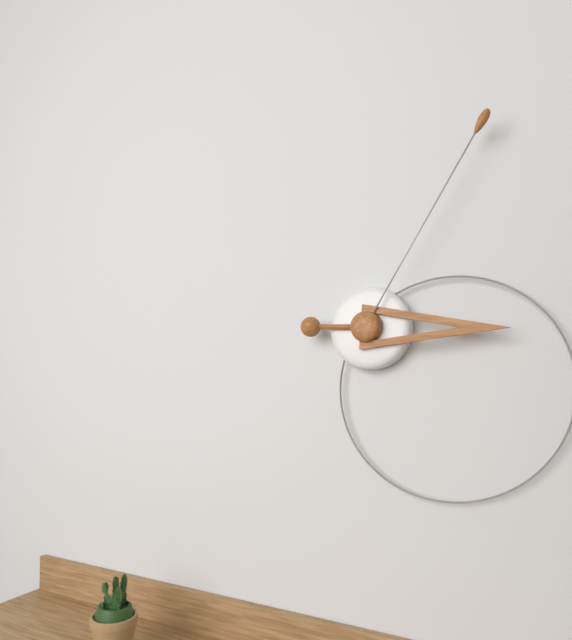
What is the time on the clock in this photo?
3:05
